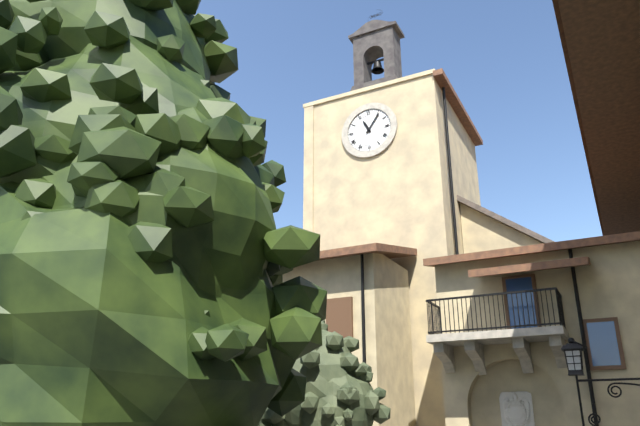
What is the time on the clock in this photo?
11:06
